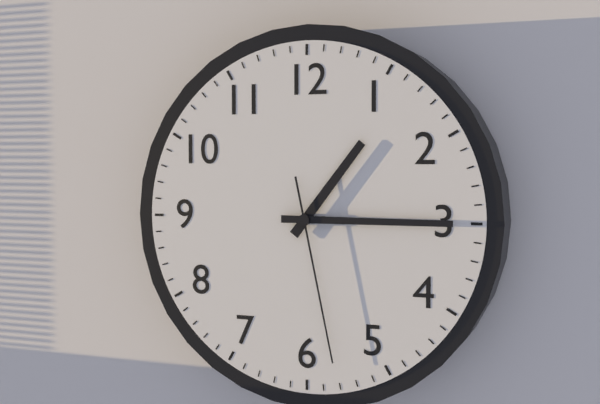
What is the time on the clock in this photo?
1:15:28
